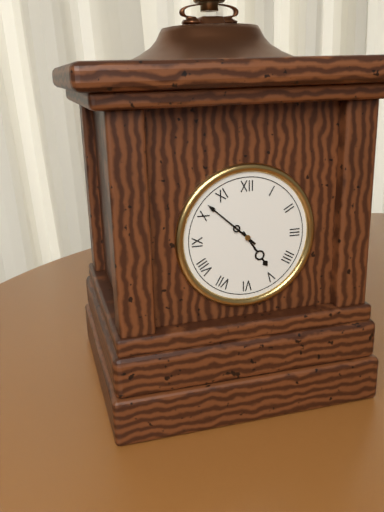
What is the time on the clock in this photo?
4:52
